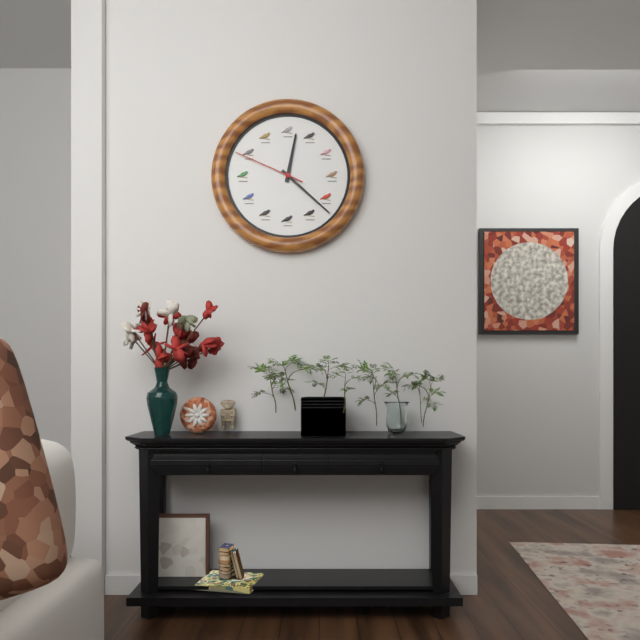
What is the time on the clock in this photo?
12:22:49
